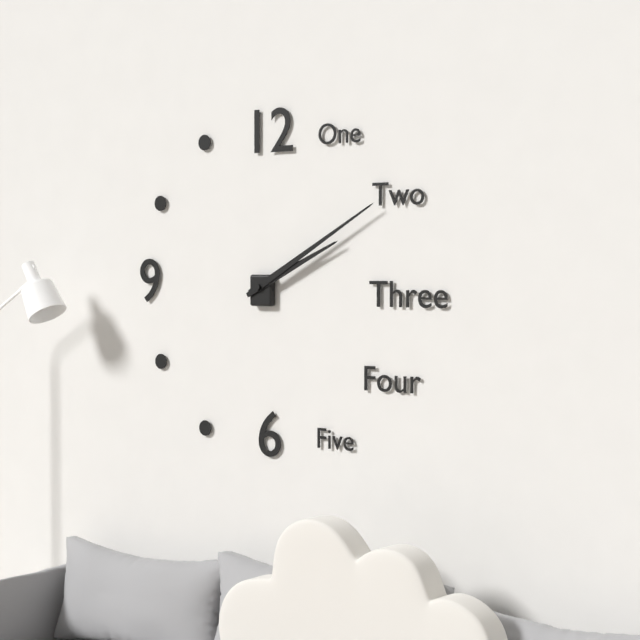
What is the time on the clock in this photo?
2:10
